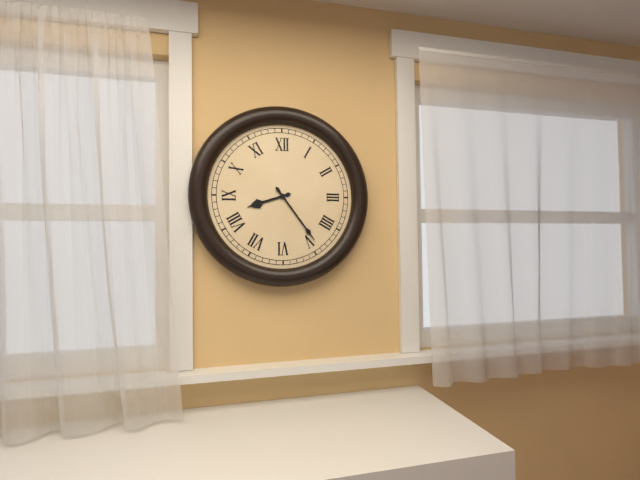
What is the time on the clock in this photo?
8:24
